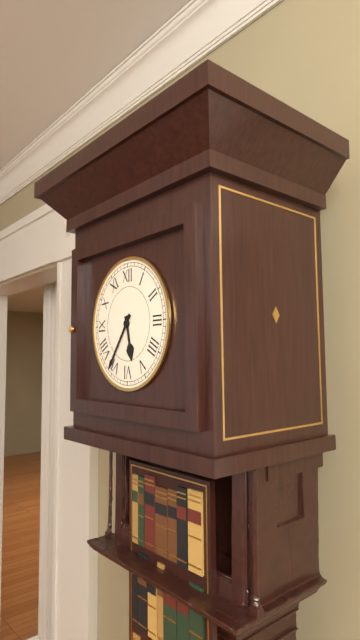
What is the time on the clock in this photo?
5:36
